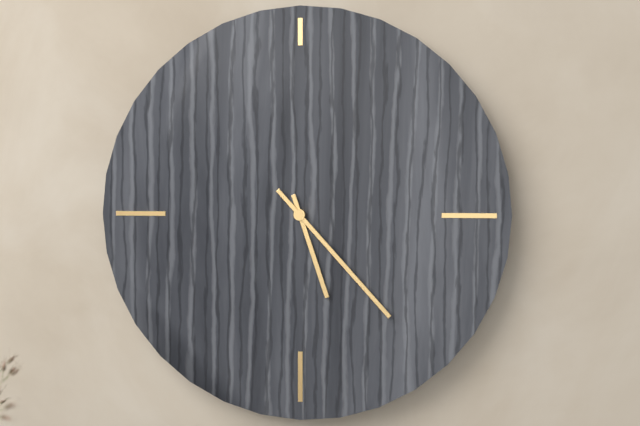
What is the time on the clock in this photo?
5:23
